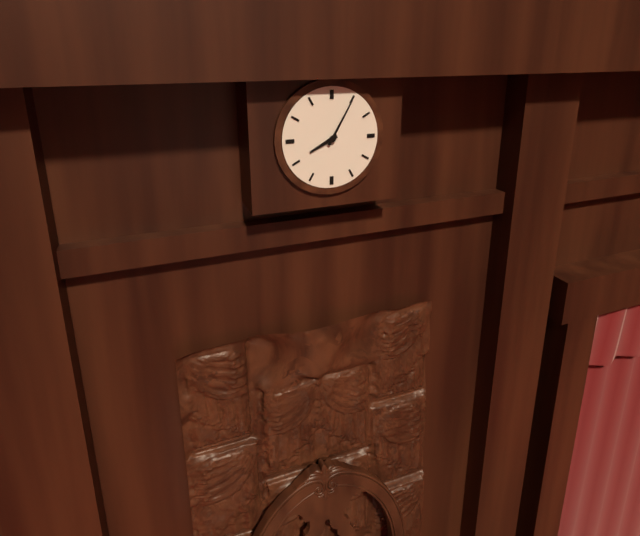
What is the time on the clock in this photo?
8:05
